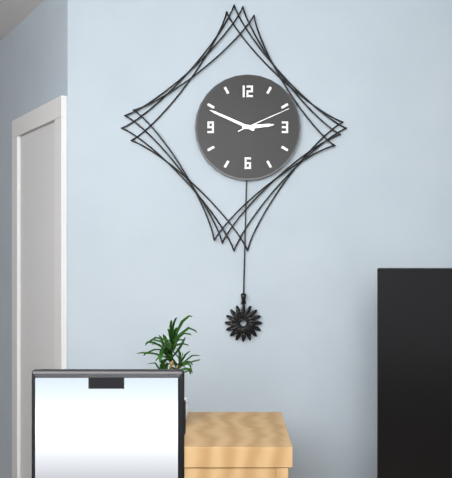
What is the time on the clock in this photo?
2:49:11
